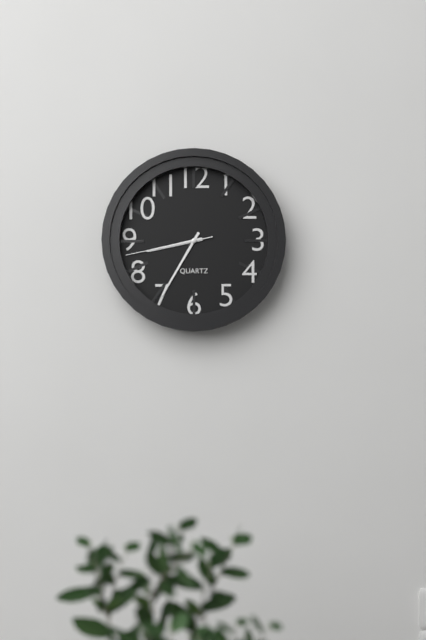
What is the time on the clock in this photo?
8:35:43
